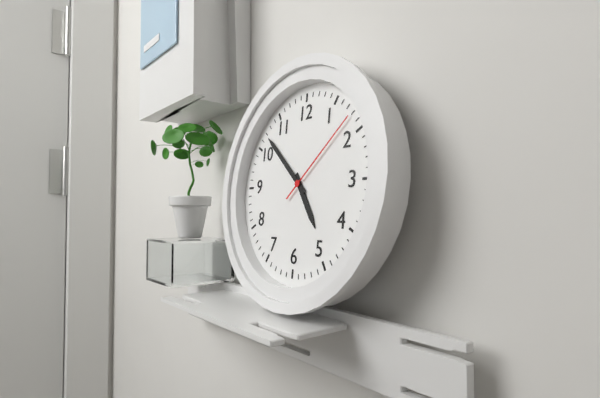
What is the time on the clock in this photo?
4:52:08
